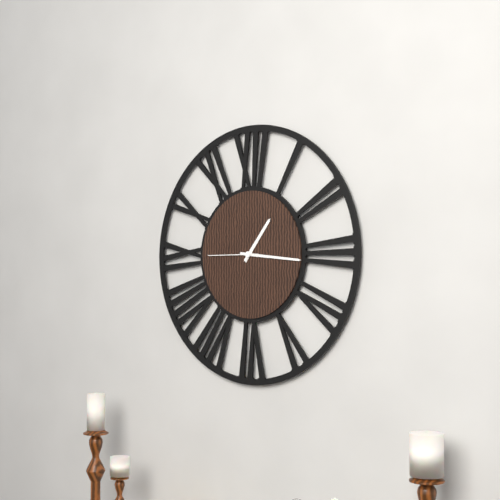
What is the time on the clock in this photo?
1:16:45
